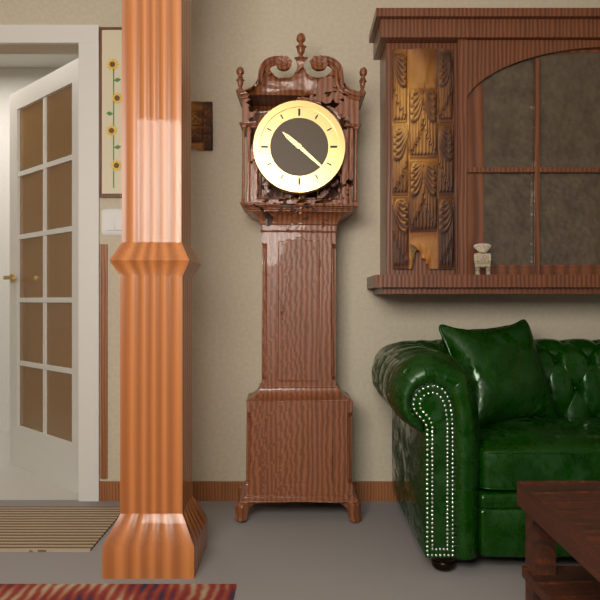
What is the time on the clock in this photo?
10:22
